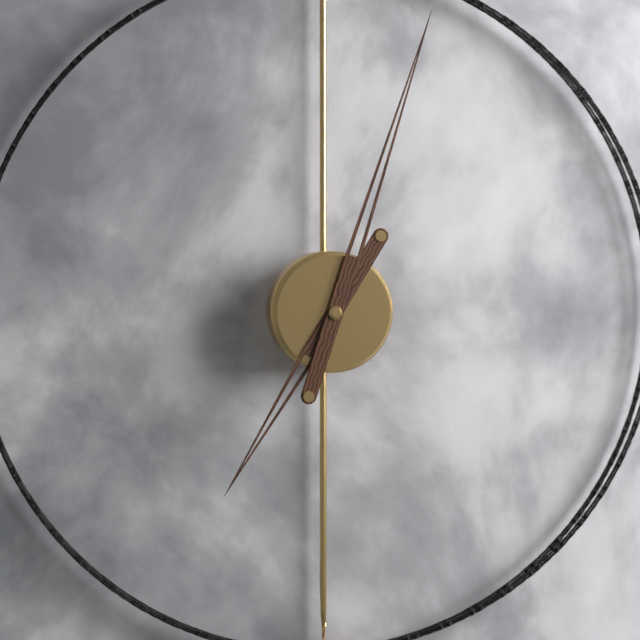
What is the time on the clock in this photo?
7:03
